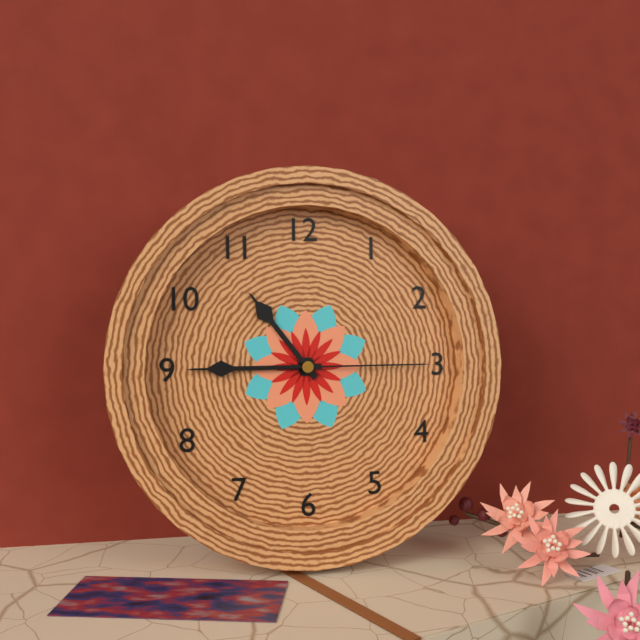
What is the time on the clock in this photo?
10:45:15
